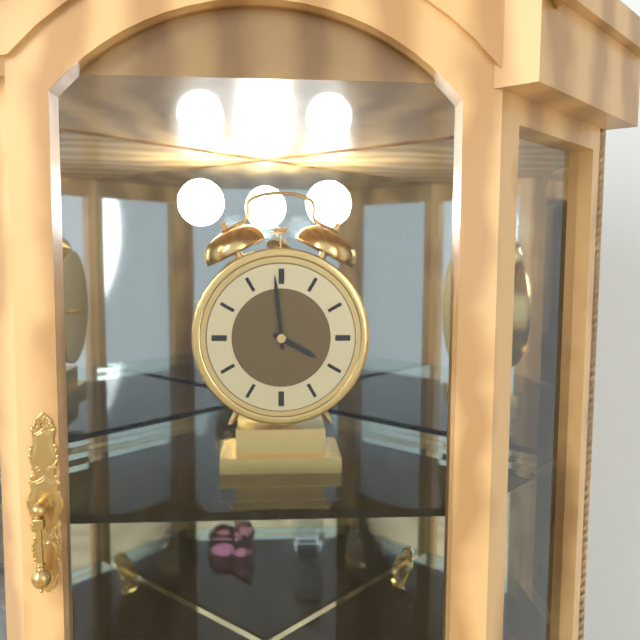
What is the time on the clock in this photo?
3:59
